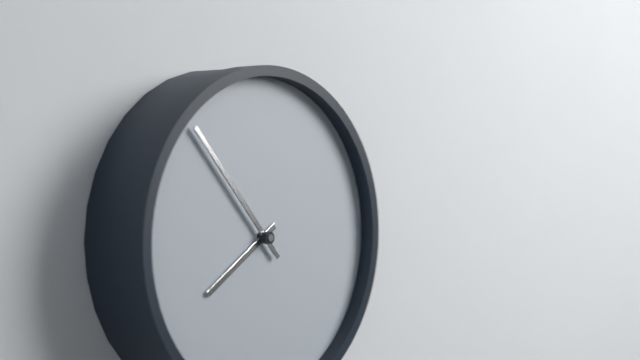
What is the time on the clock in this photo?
7:53
